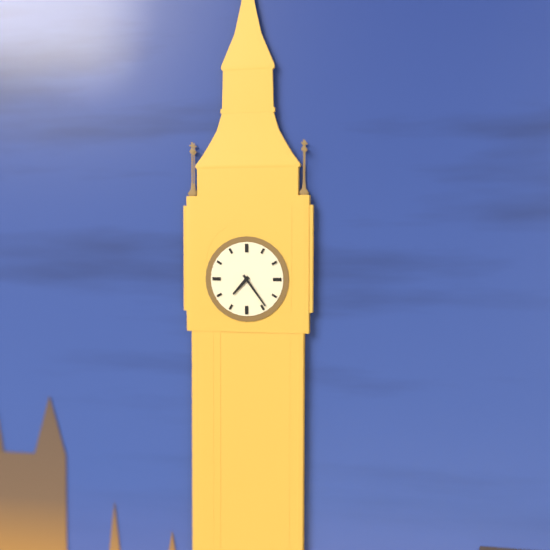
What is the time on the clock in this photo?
7:24
